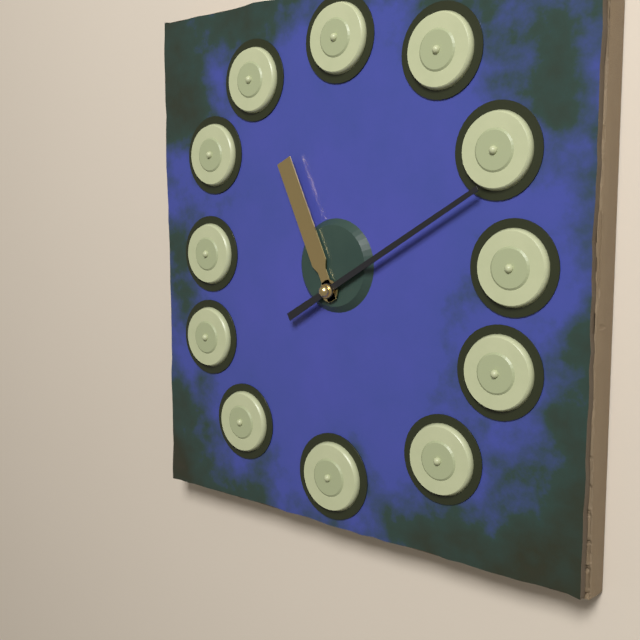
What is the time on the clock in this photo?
11:10
